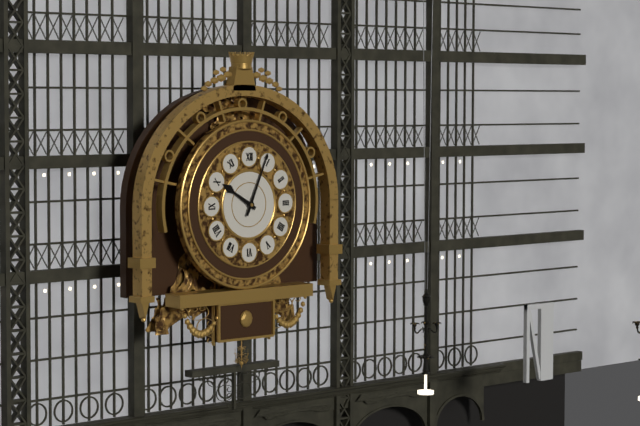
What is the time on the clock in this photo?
10:04
